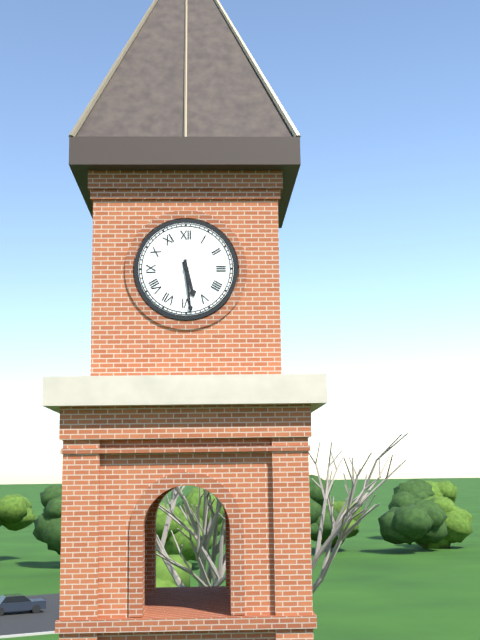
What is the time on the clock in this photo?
5:29
